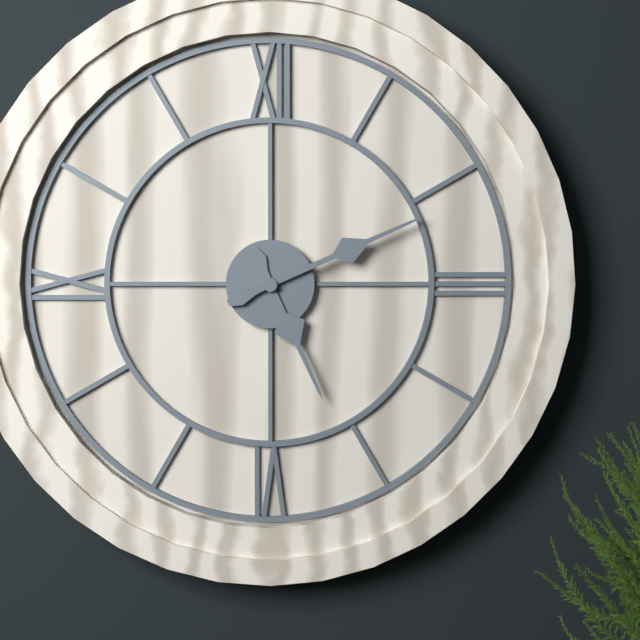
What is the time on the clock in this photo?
5:11
